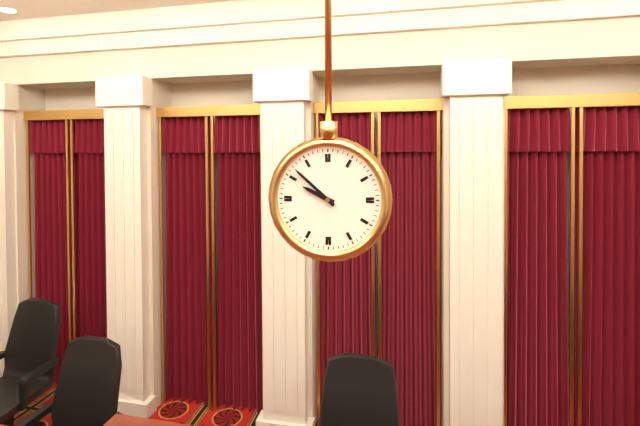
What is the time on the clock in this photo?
9:52
